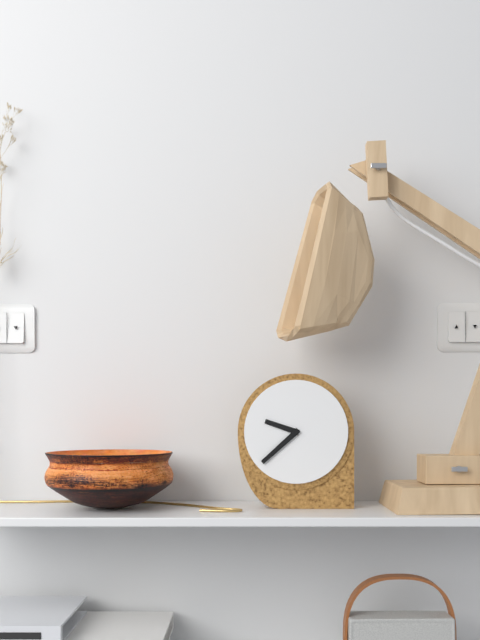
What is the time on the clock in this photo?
9:38
